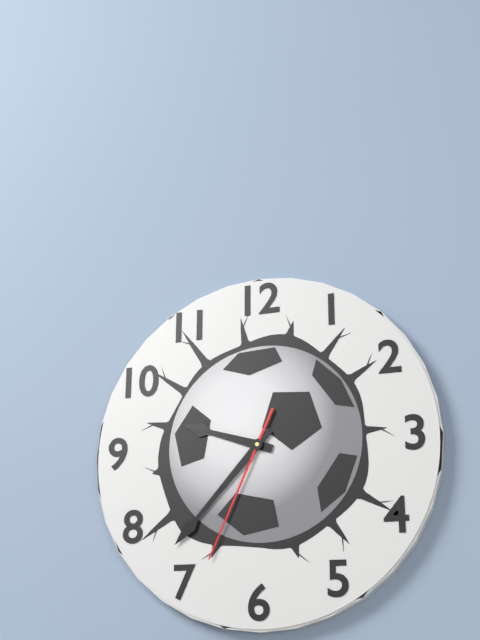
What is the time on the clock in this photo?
9:37:34
